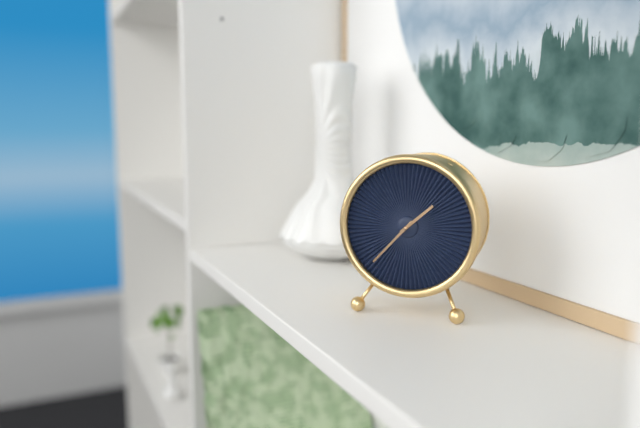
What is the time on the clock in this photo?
1:37
